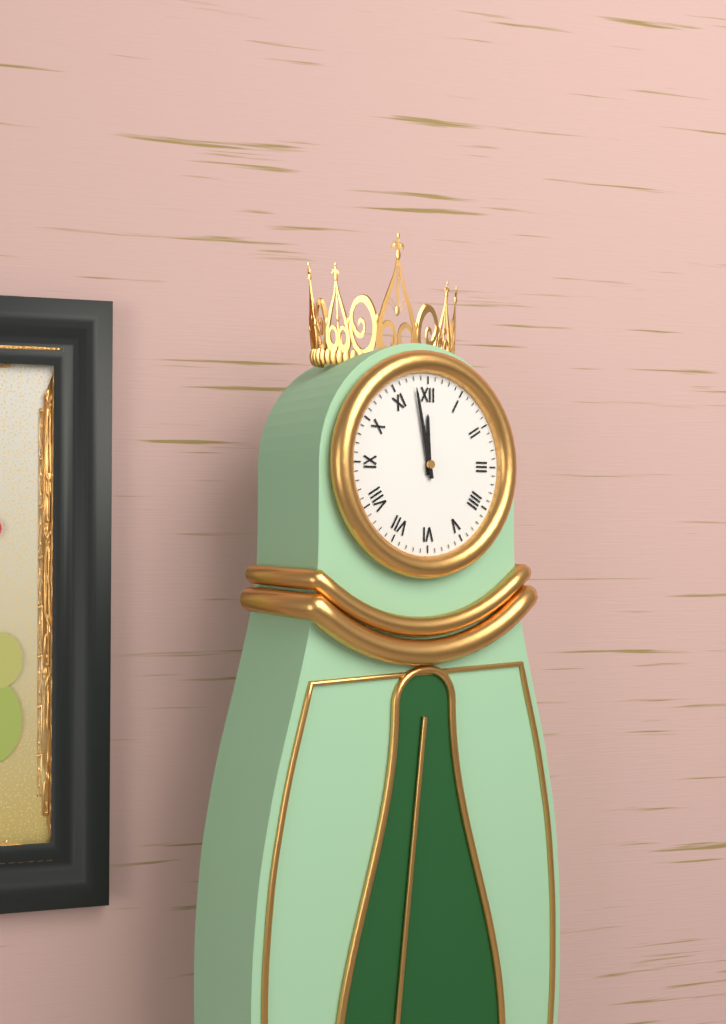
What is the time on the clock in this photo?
11:58
